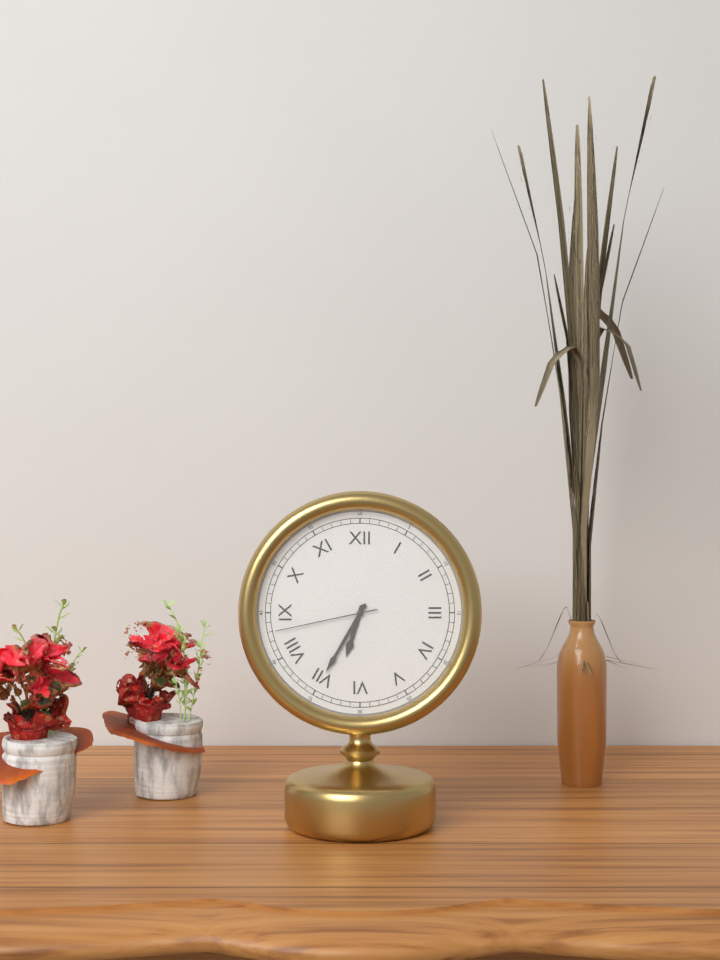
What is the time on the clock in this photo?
6:35:43
